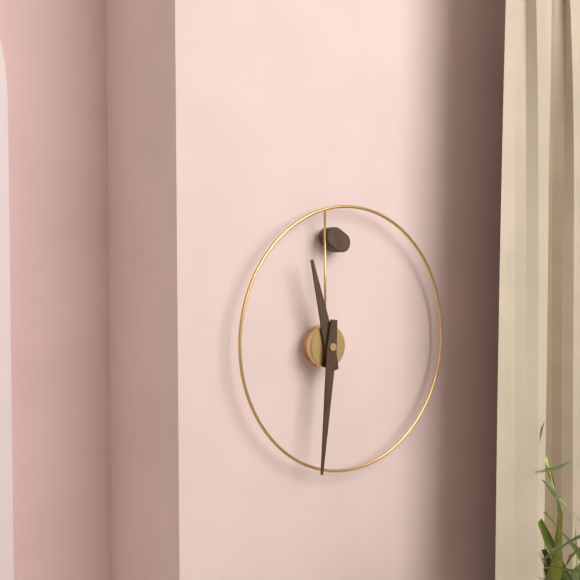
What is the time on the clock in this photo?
11:31
